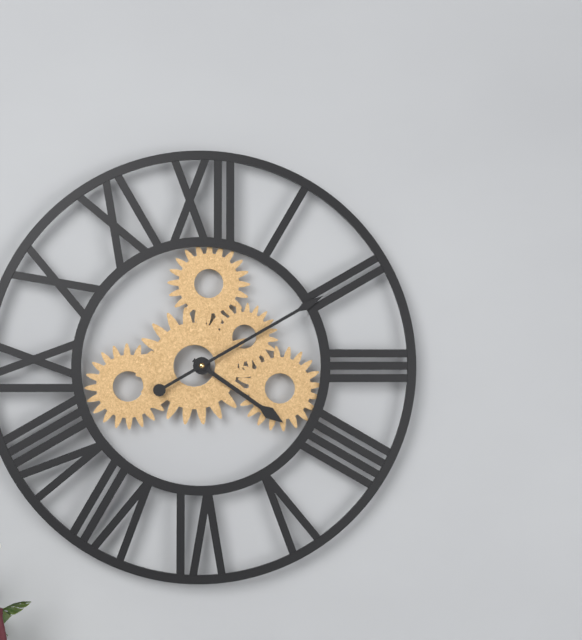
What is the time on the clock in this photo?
4:10
